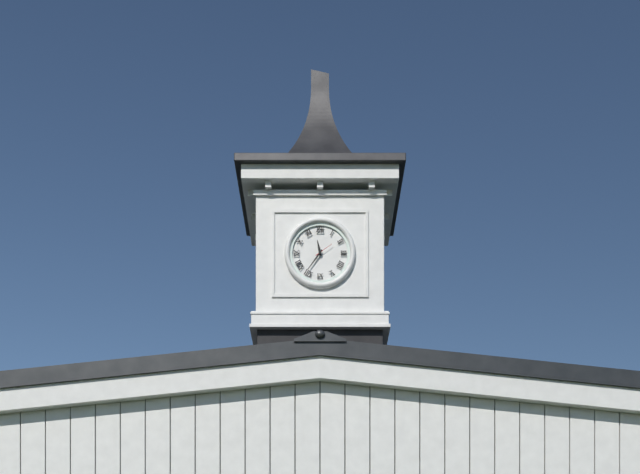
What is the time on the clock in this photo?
11:36
